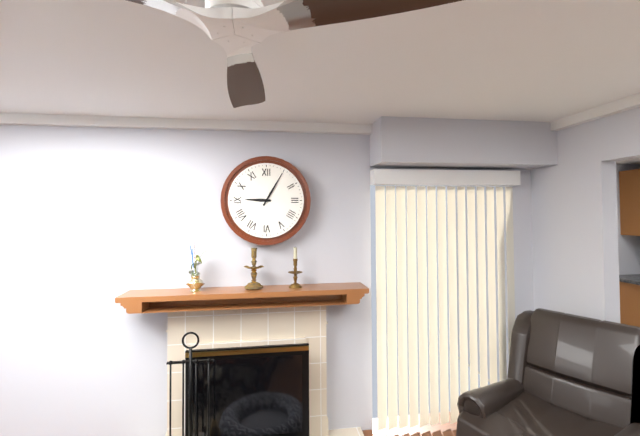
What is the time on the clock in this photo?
9:05
